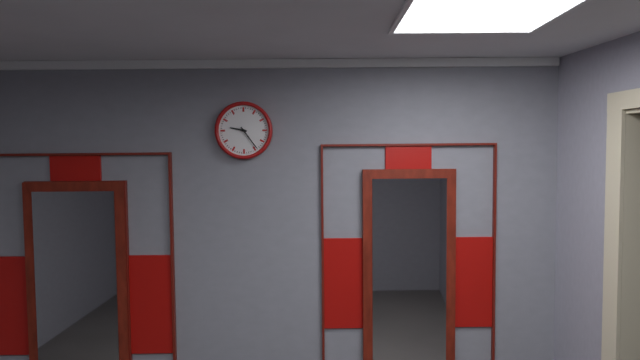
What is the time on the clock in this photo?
9:24
